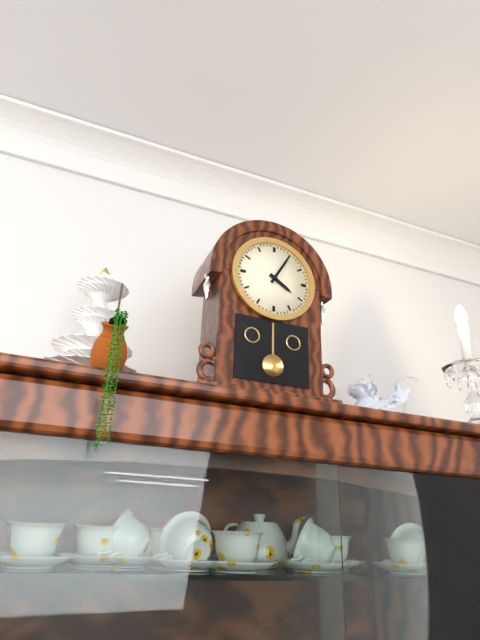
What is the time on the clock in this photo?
4:05
